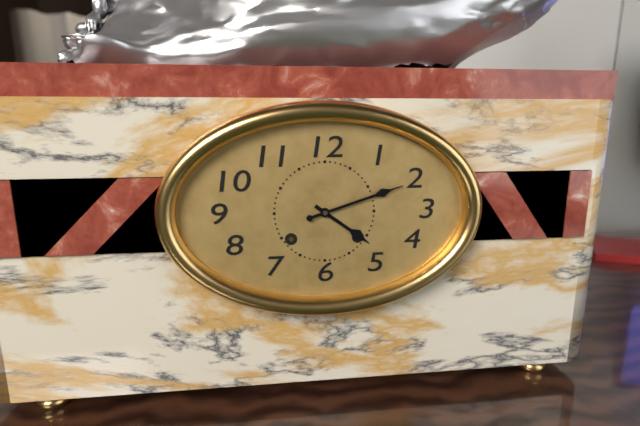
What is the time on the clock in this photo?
4:12
